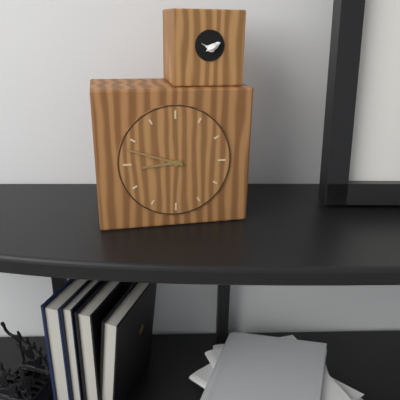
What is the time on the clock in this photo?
8:48
